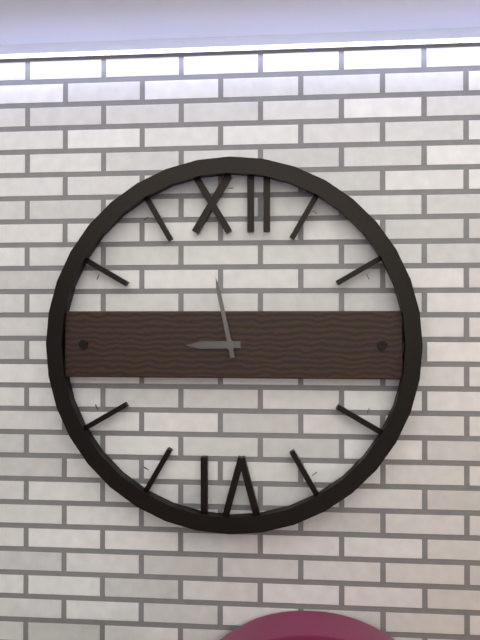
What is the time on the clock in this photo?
8:58
